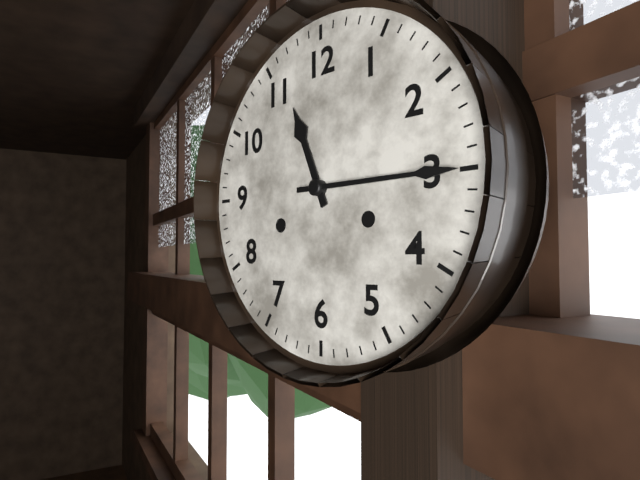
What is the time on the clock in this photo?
11:15
